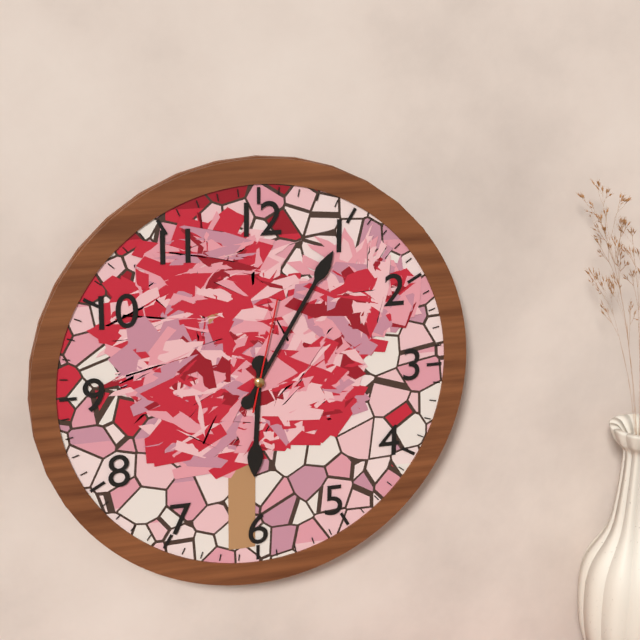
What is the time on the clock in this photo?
6:05:02
